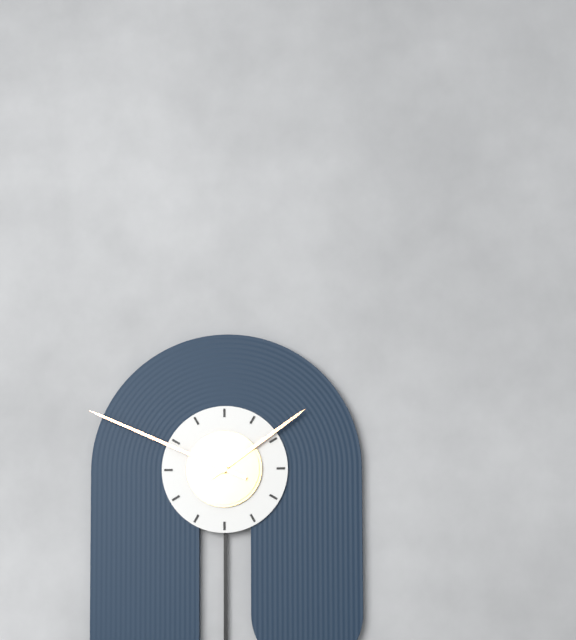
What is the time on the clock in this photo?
1:49
